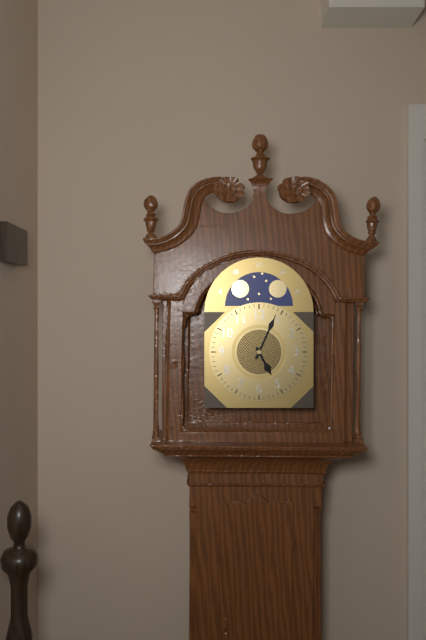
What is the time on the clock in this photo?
5:04
